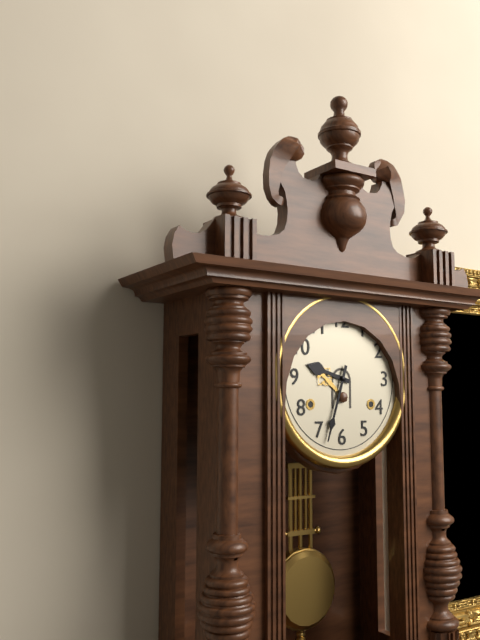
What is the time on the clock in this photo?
9:33
